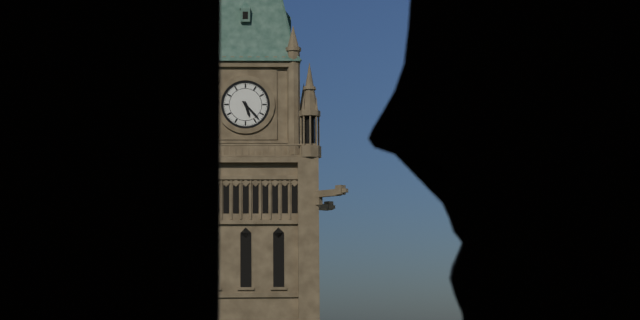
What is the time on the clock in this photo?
5:23
